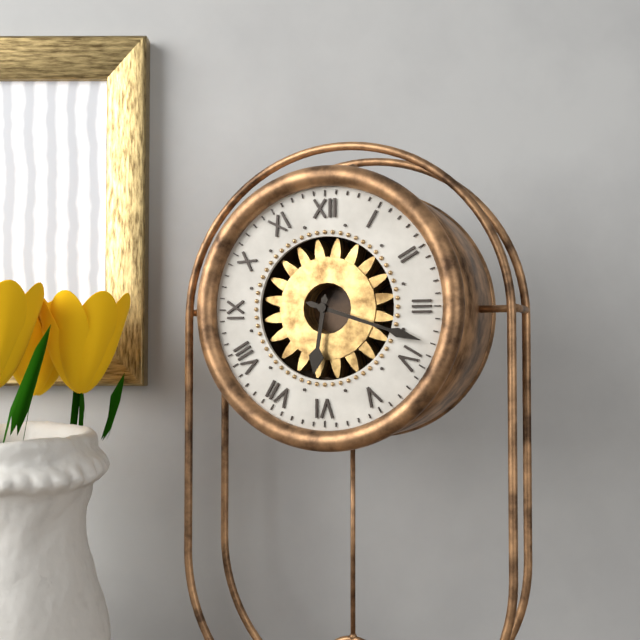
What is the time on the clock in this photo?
6:18
